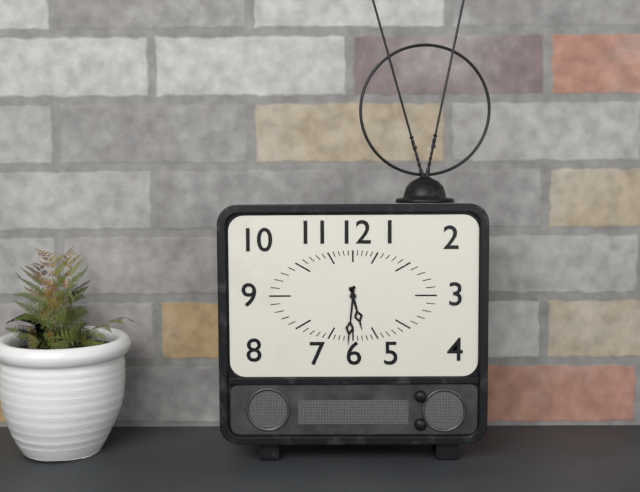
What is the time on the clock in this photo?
5:31
